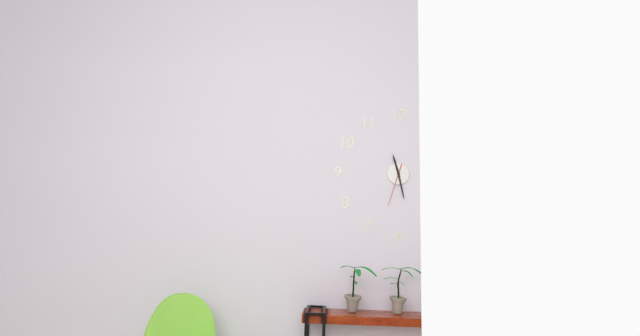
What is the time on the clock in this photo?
11:28
